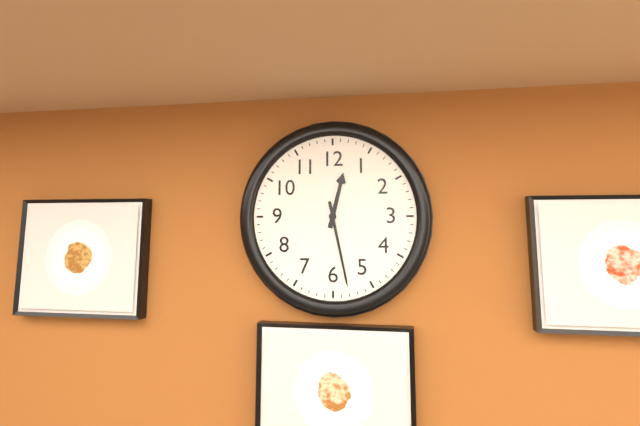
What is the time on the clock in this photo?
12:28
